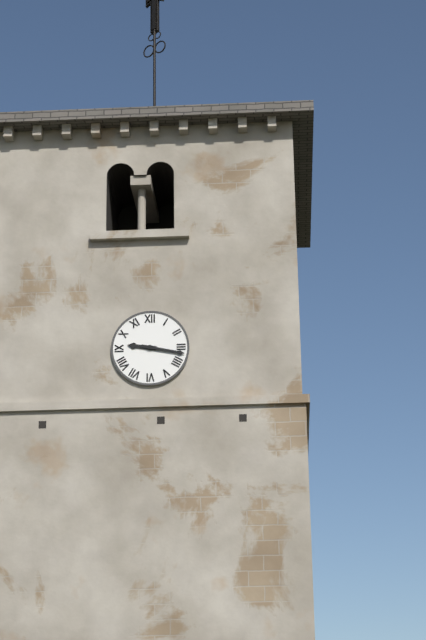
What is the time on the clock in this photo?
9:17
